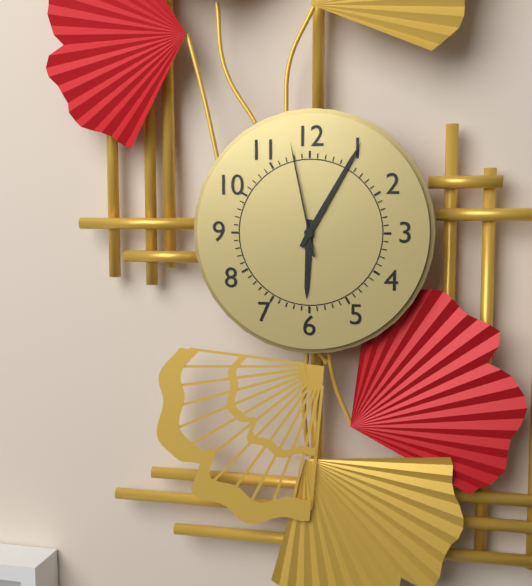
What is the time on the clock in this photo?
6:05:58
